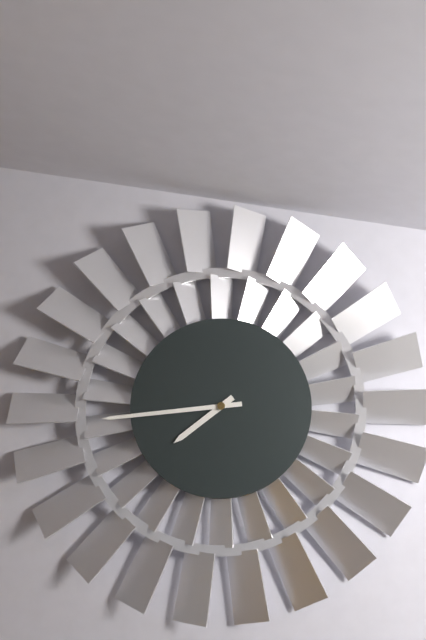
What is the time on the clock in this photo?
7:44
